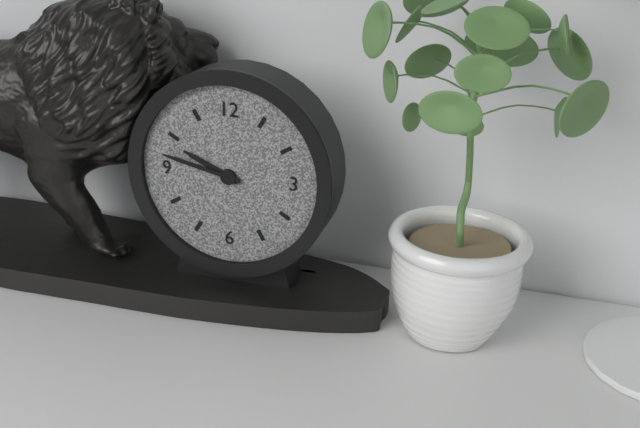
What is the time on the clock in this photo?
9:47
